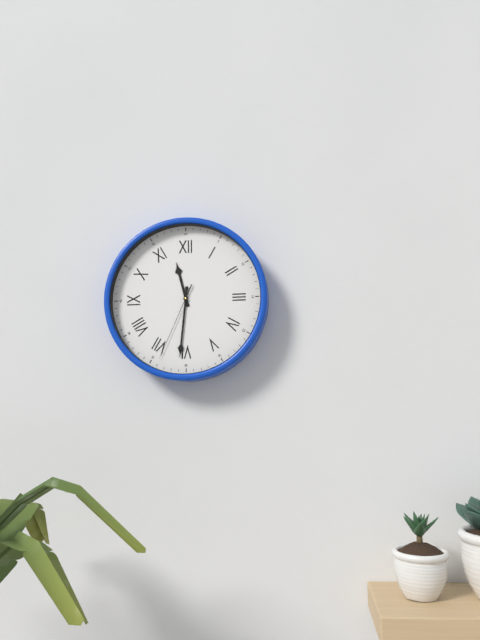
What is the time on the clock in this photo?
11:31:34
